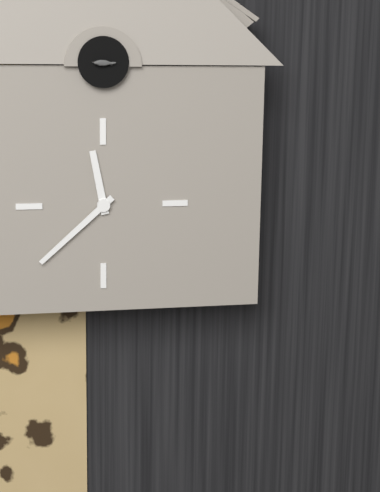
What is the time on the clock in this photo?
11:38
